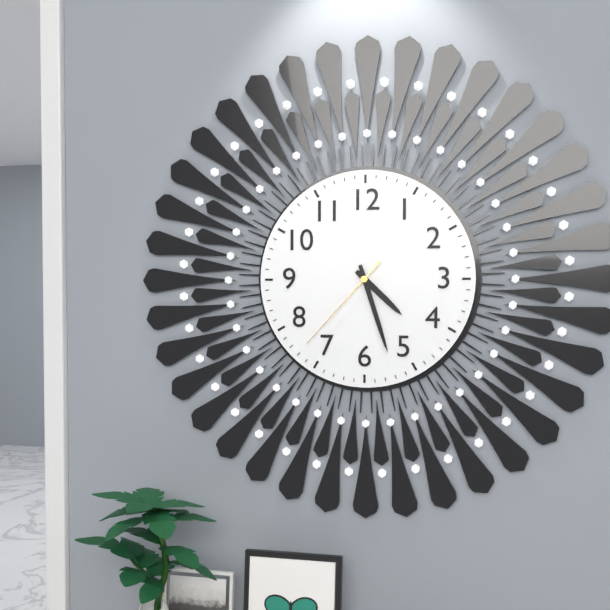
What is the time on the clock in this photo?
4:27:37
